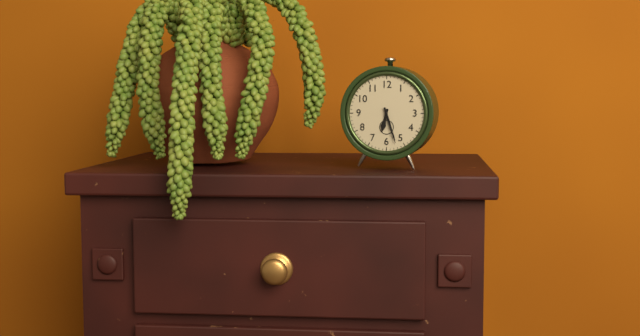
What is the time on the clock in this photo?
6:27
